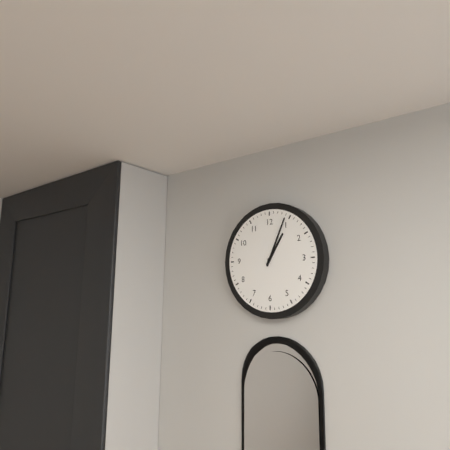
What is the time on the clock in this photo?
1:04
